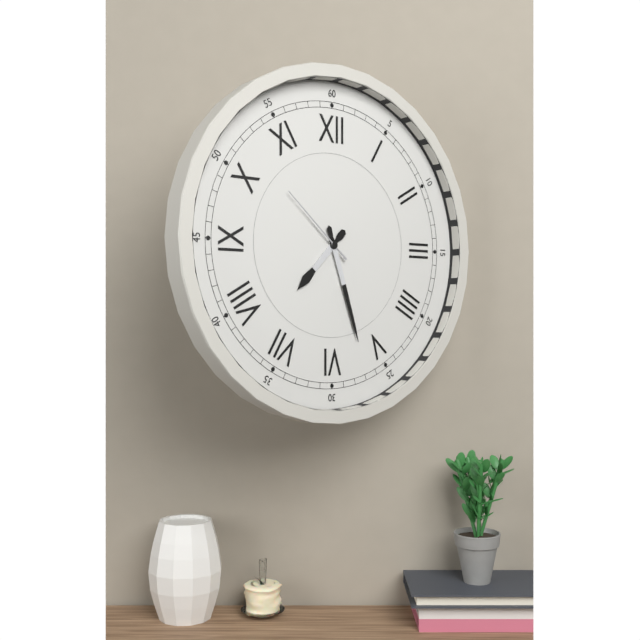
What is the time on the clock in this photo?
7:27:52
